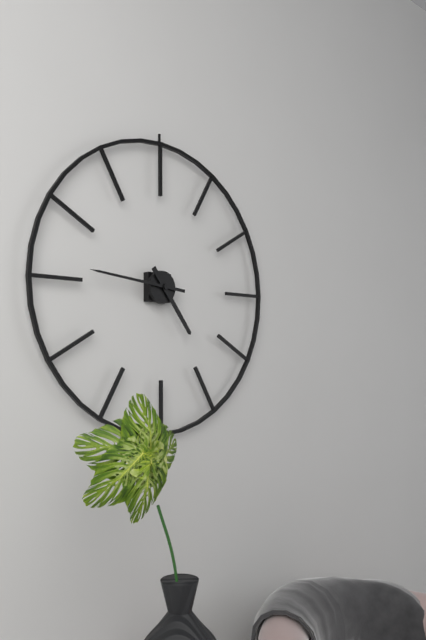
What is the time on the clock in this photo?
4:46
